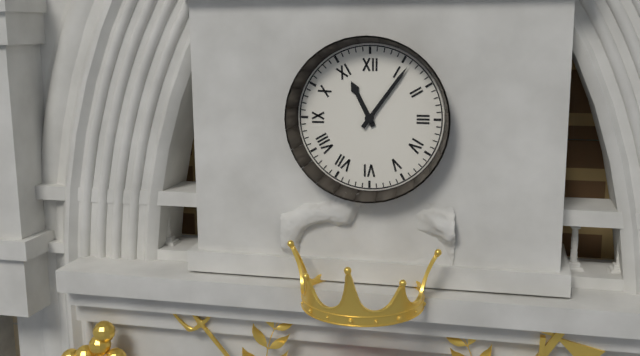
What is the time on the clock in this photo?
11:06
